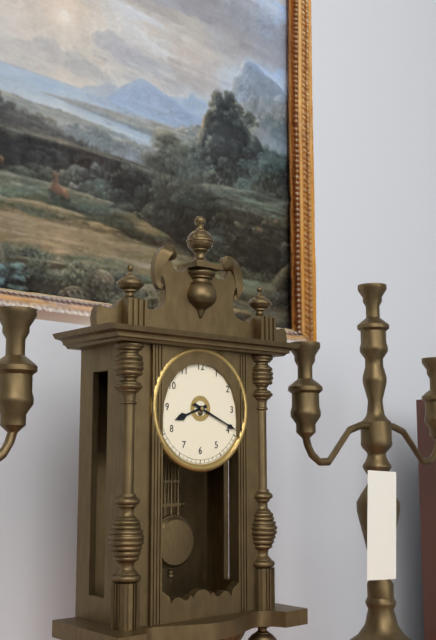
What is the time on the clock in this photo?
8:19
